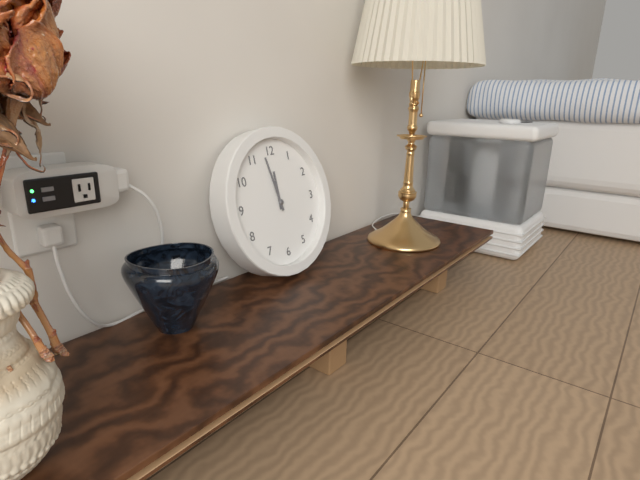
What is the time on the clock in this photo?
11:58
